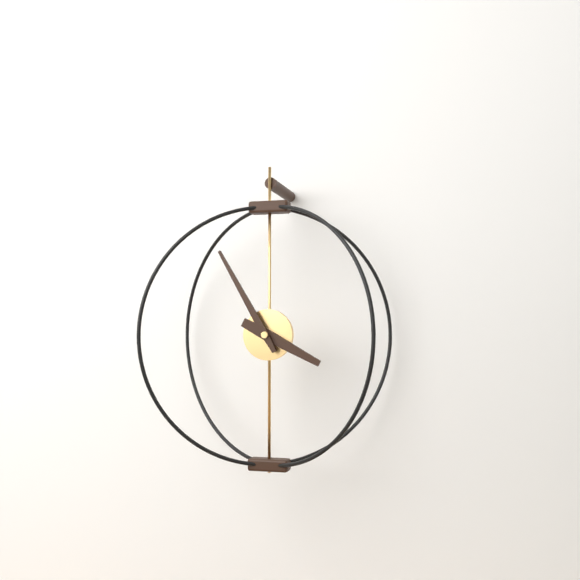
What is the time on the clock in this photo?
3:55
